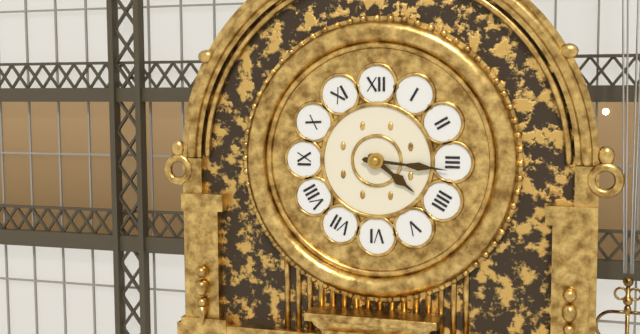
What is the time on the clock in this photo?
4:16
